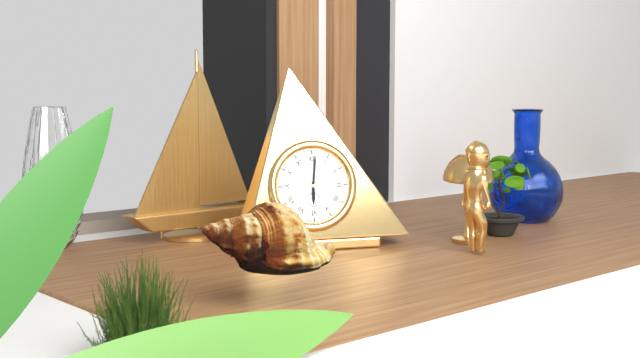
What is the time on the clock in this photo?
6:01
